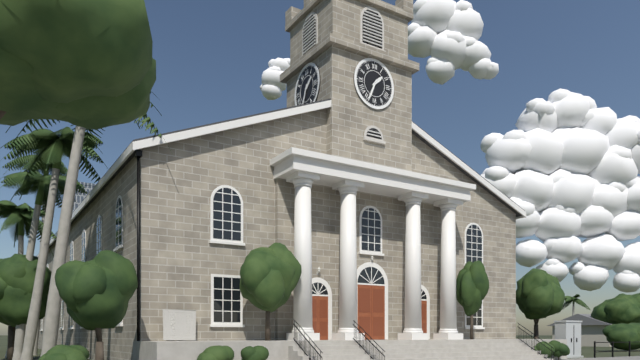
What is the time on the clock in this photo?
1:34
